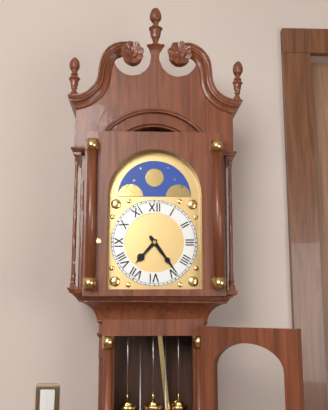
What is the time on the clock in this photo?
7:24
